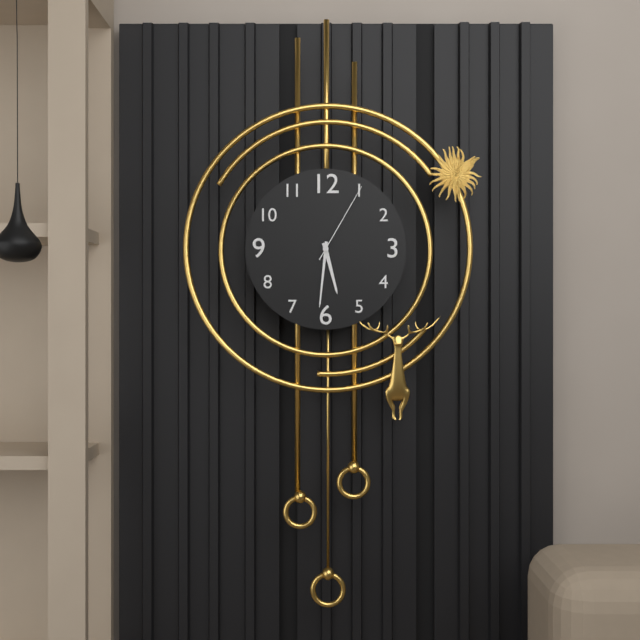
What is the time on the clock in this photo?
5:31:05
